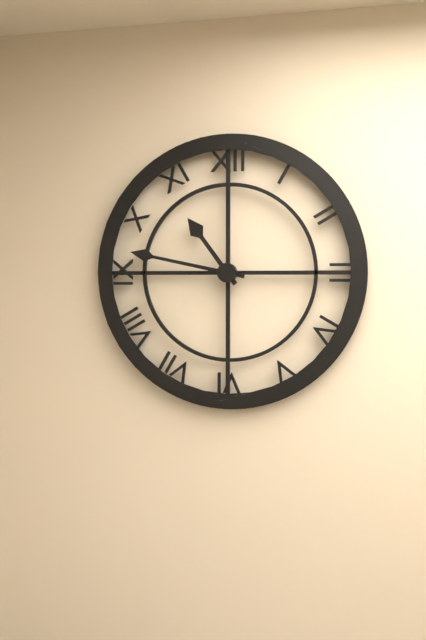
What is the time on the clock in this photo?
10:47
